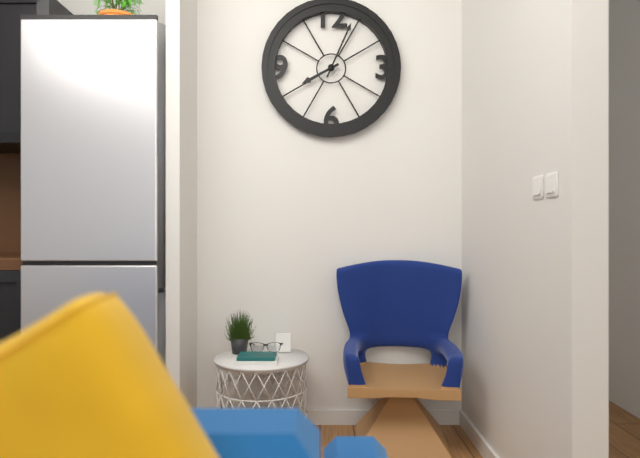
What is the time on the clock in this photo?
8:04
